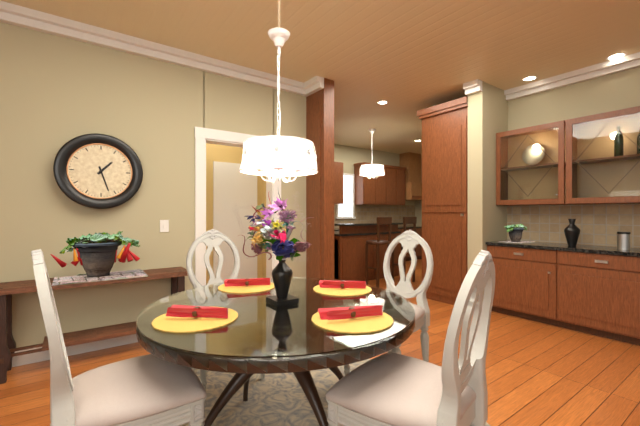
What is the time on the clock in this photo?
1:27
